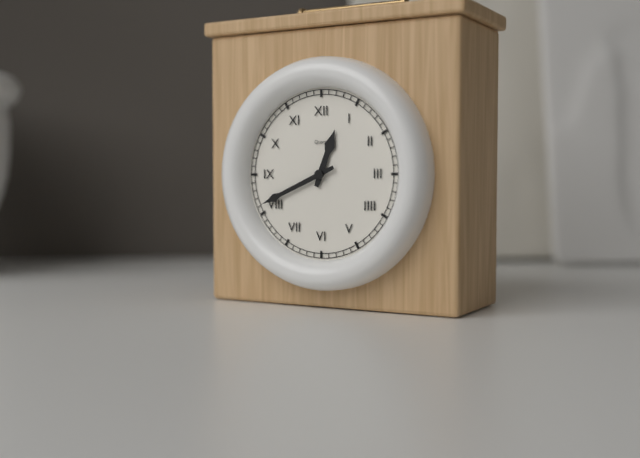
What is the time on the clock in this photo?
12:41
